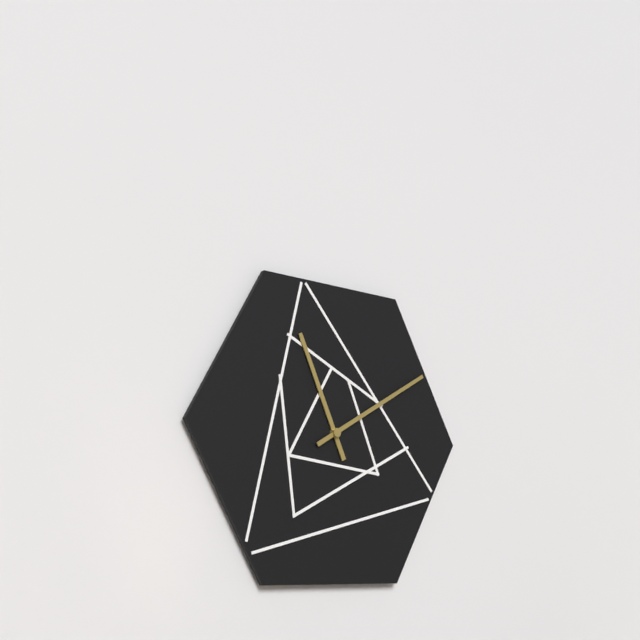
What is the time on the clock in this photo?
11:10
